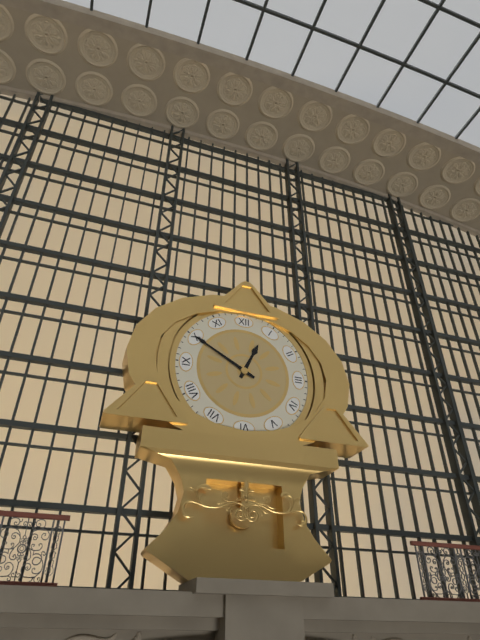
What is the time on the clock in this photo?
12:50
